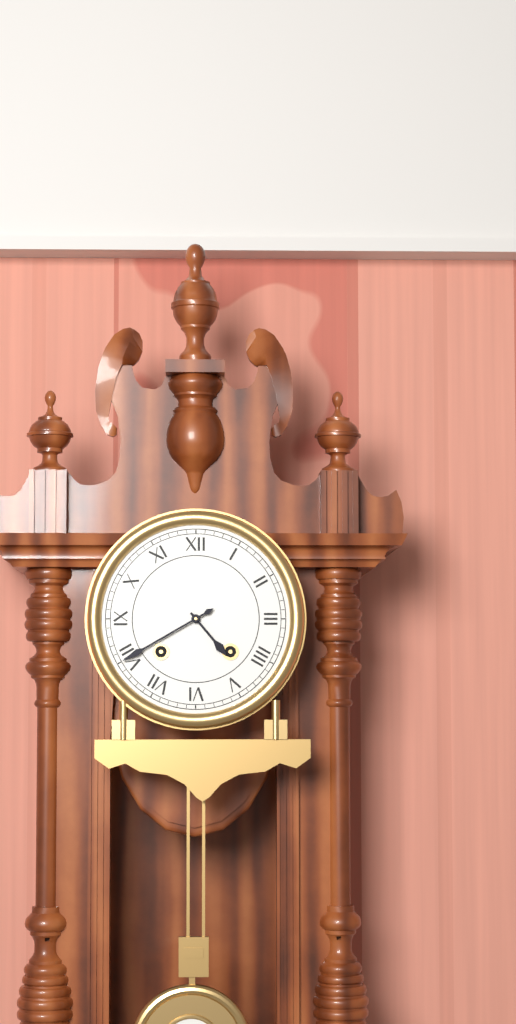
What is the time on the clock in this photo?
4:40
